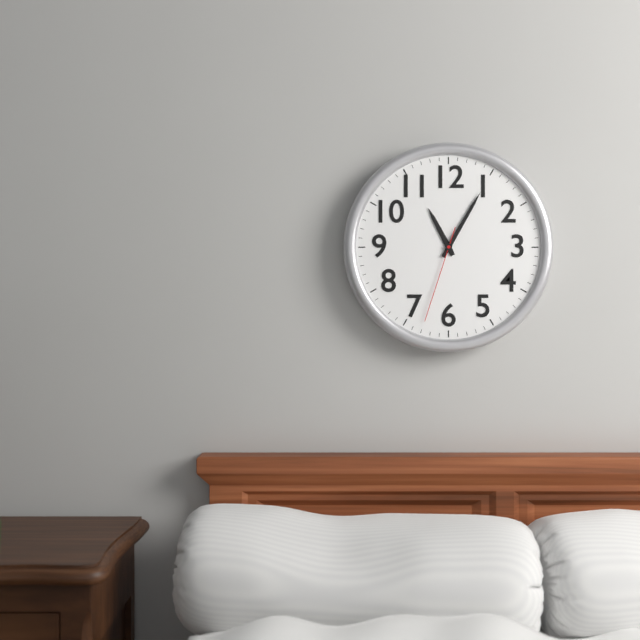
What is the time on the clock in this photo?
11:05:33
